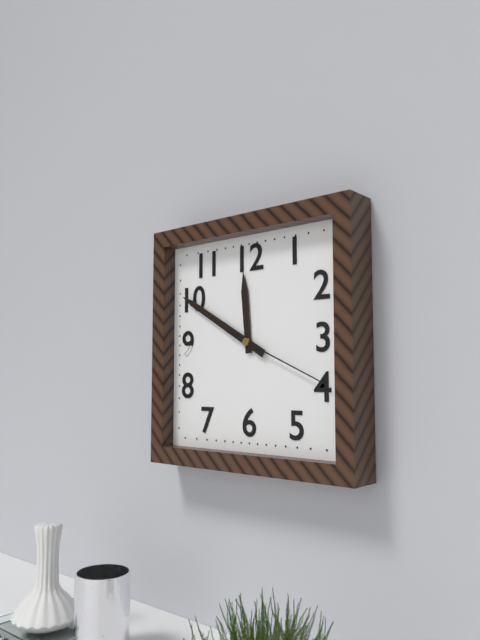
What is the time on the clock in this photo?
11:50:19
